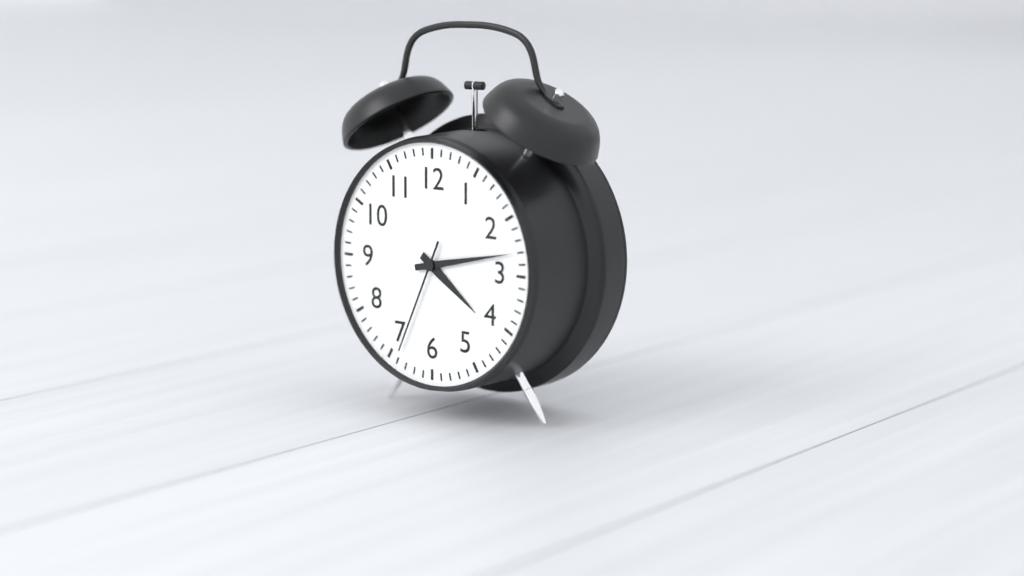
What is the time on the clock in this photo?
4:13:34
